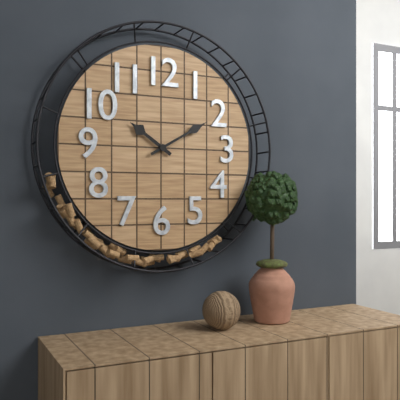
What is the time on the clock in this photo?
10:10
